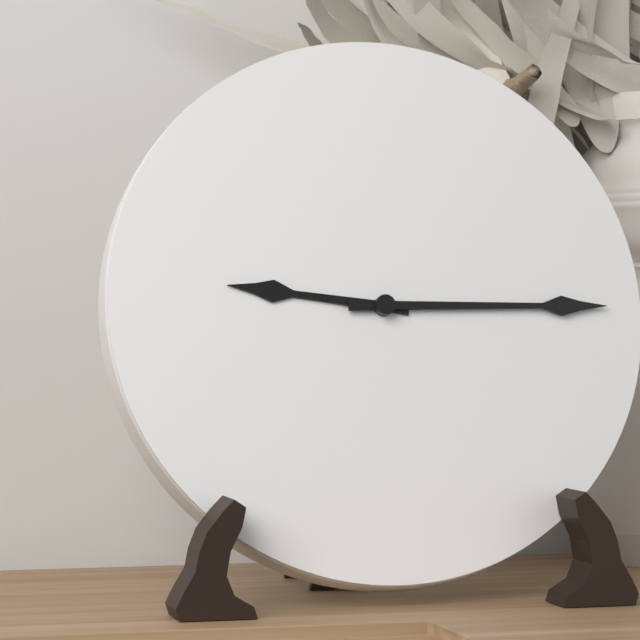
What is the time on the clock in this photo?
9:15
